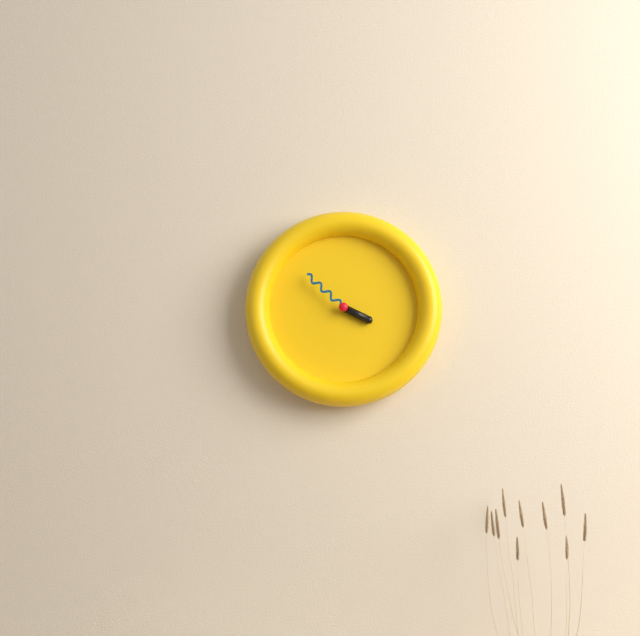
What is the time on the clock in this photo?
3:52
